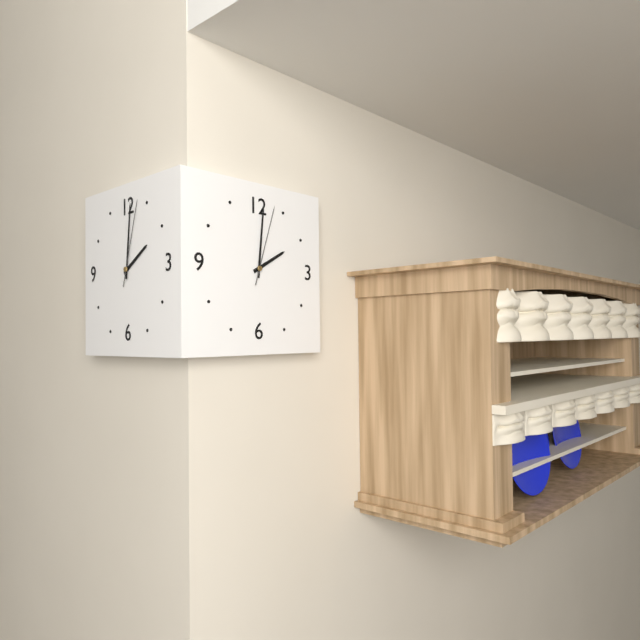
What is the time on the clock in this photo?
2:01:03
